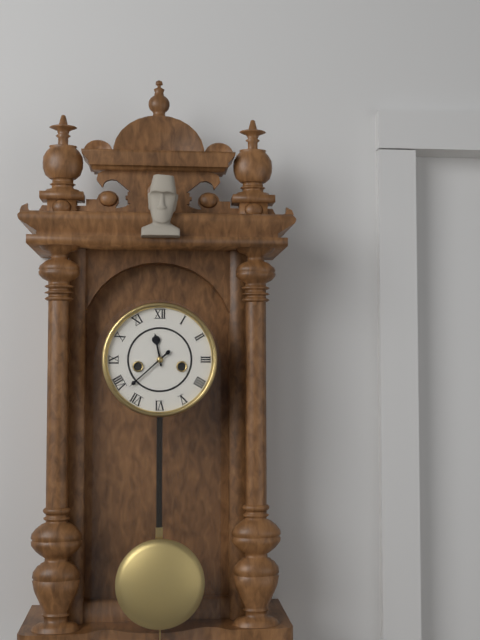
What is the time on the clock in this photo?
11:38
